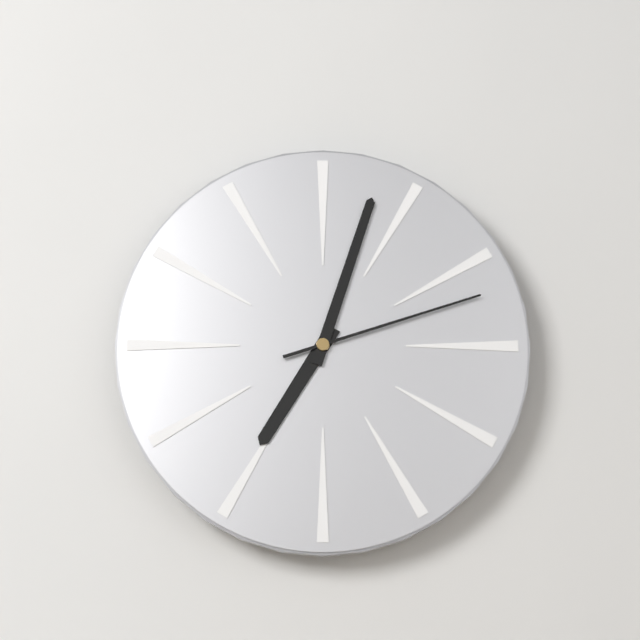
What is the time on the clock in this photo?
7:03:12
